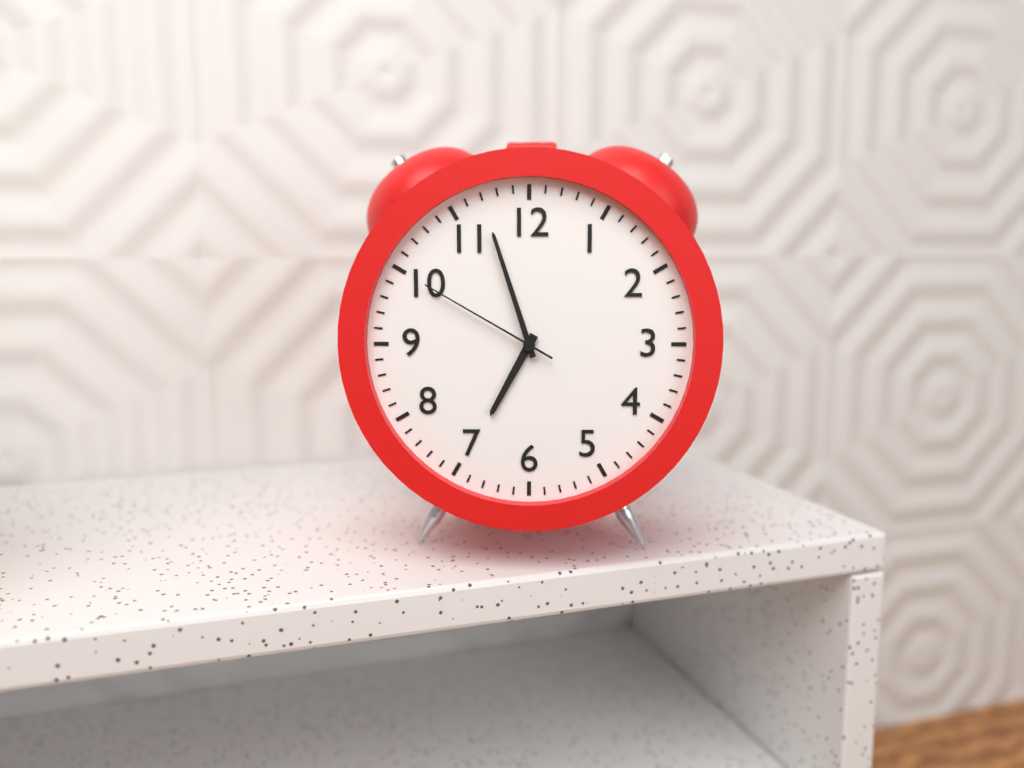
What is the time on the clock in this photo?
6:57:50
